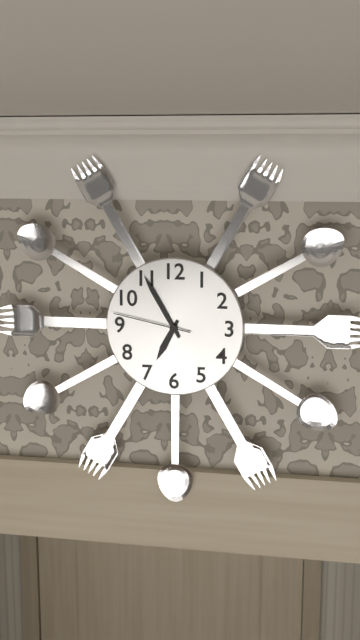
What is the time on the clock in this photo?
6:55:47
